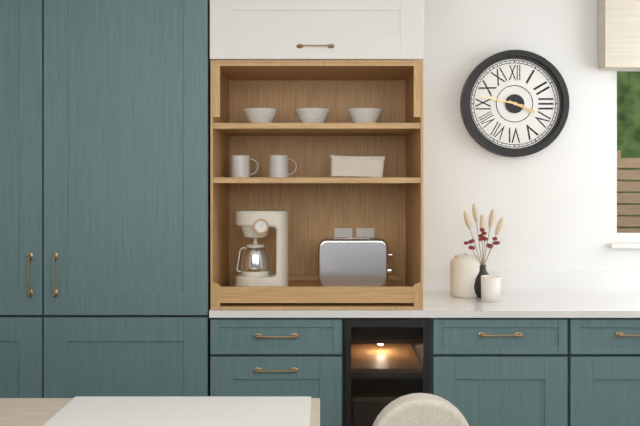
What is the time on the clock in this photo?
3:47
